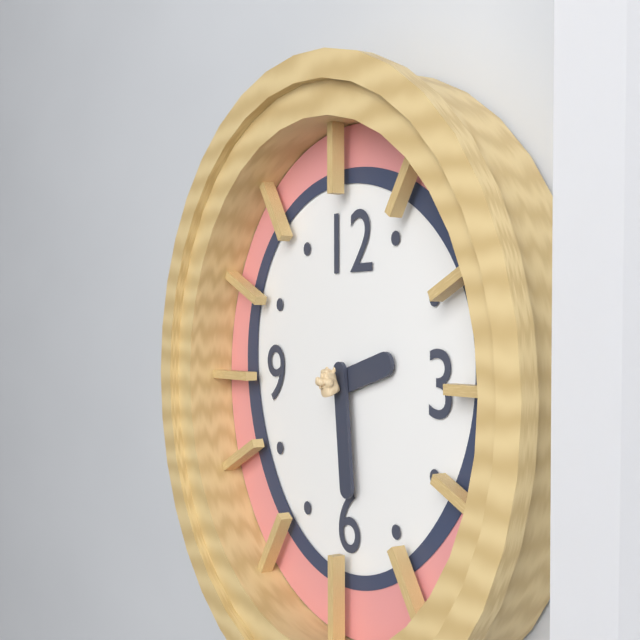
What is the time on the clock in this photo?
2:29
